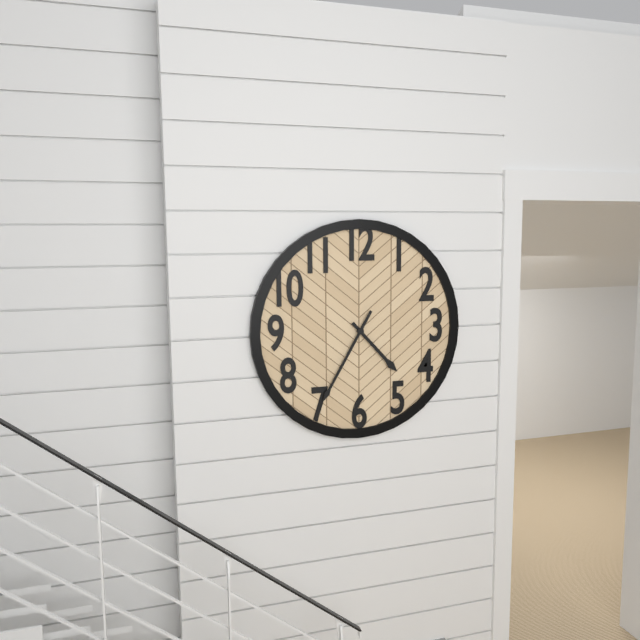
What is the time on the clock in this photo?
4:35
